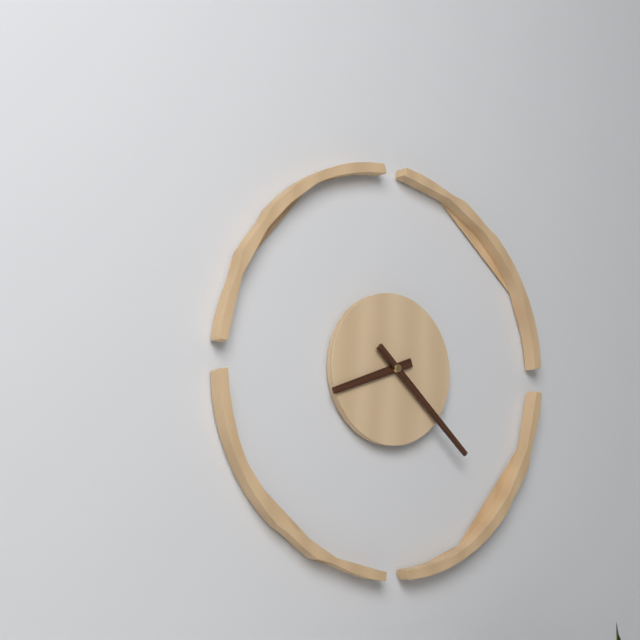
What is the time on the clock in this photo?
8:22
